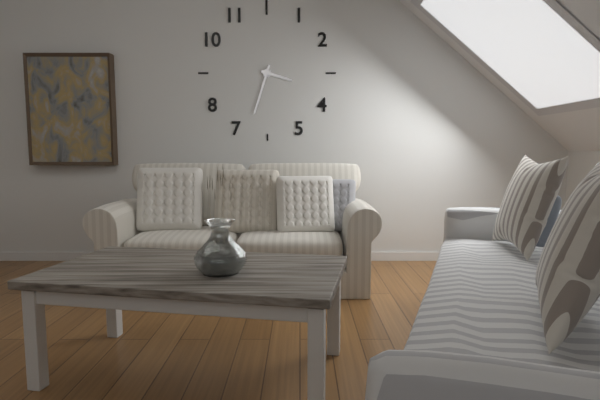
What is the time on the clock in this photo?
3:33
